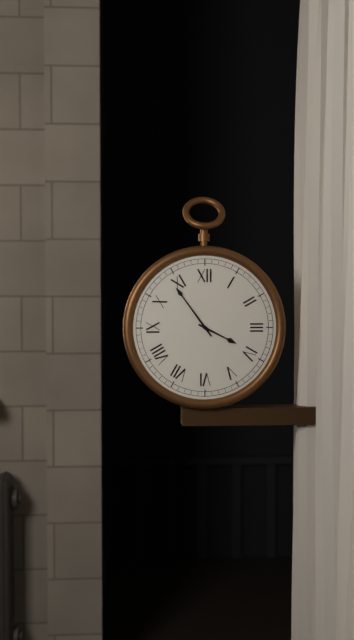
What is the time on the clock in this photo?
3:54
